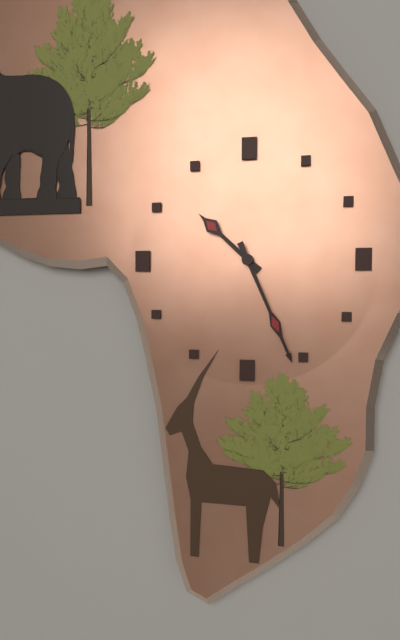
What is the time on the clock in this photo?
10:26
